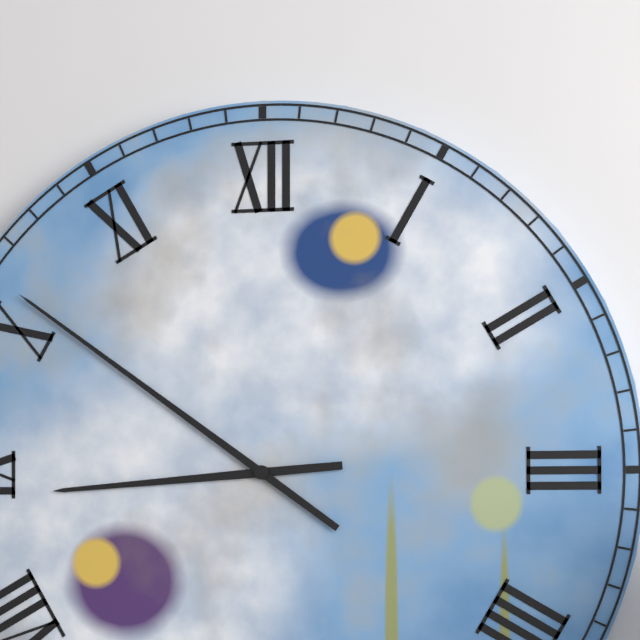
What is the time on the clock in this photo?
8:51
